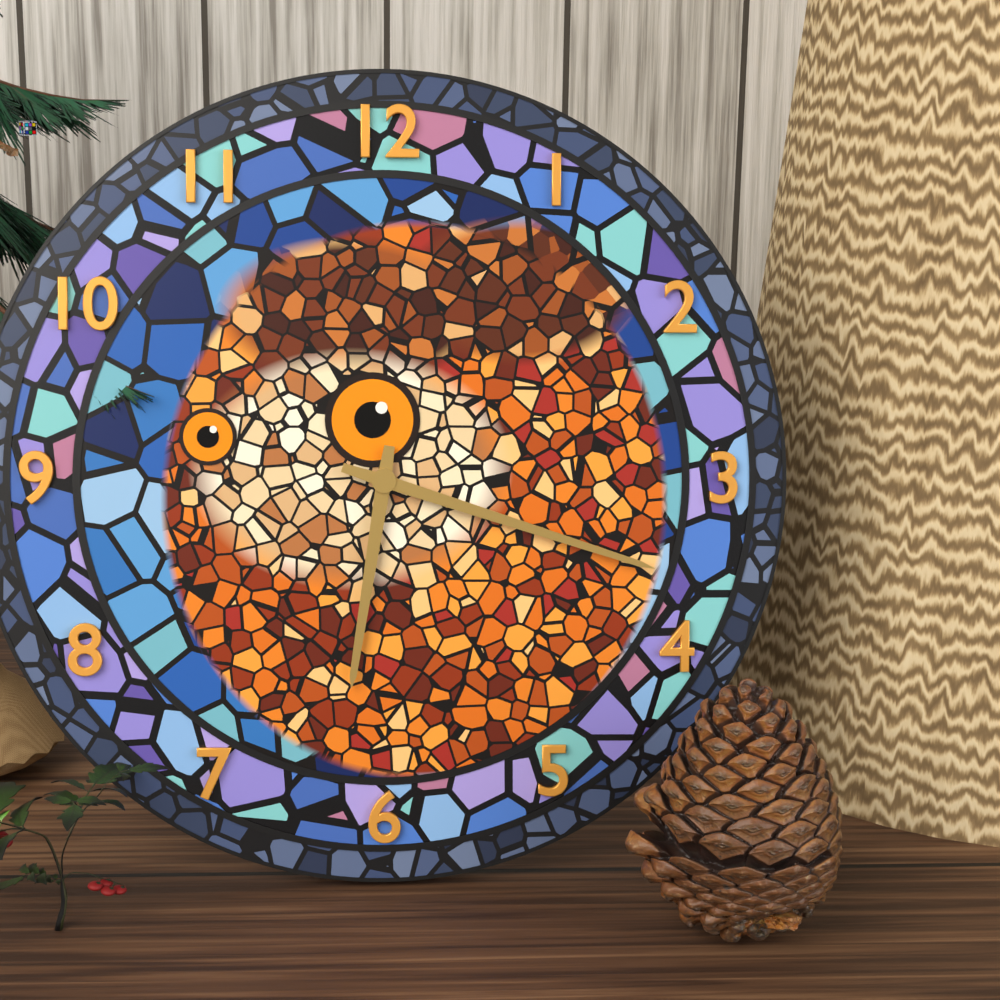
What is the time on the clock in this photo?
6:18
